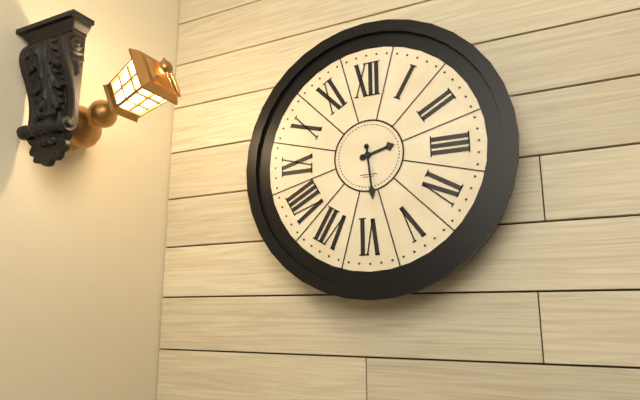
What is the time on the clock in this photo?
2:29
